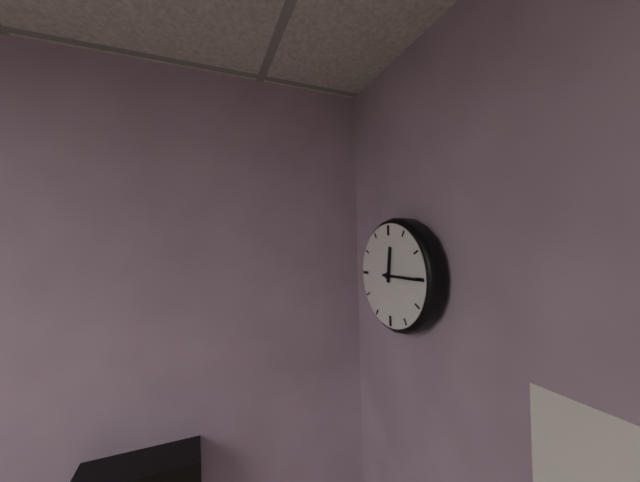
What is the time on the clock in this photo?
12:15
